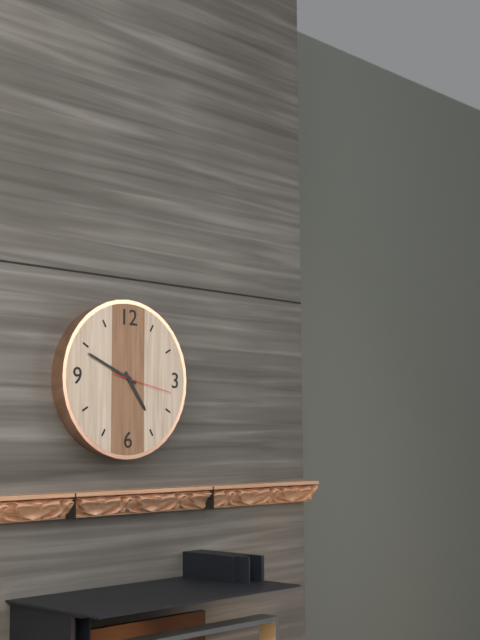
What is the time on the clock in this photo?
4:49:17
